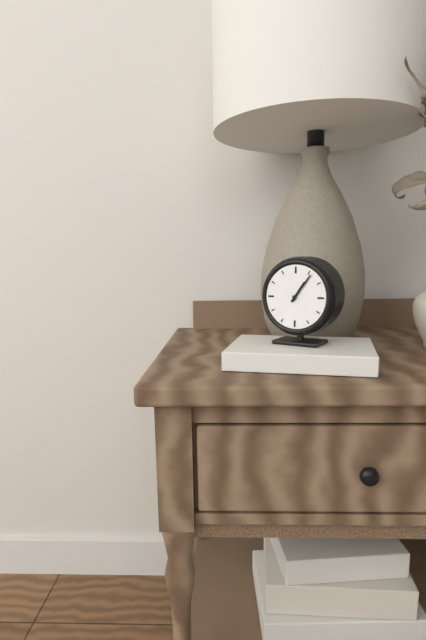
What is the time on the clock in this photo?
1:06
